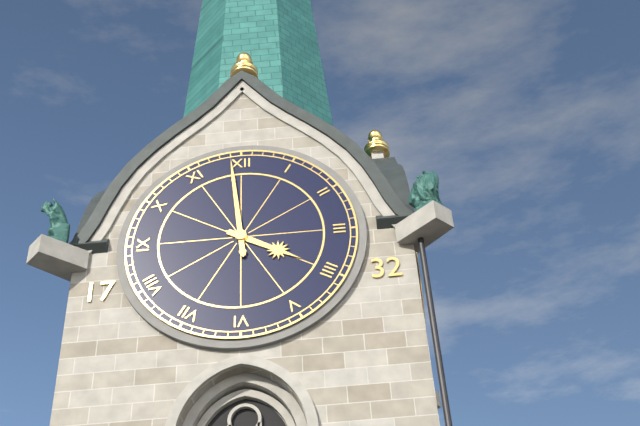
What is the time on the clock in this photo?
3:59
